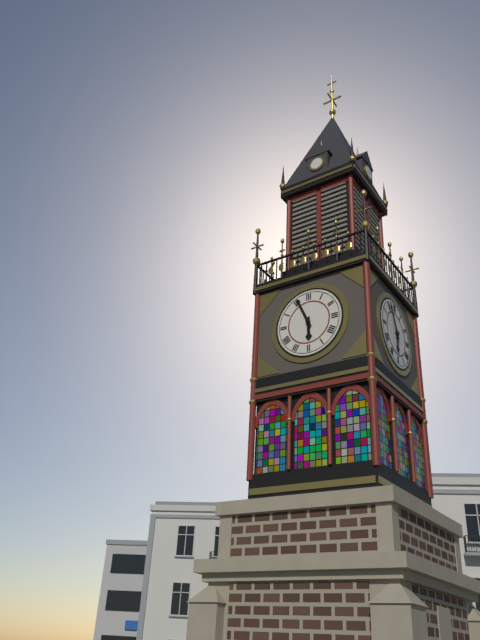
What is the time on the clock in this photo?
5:56
